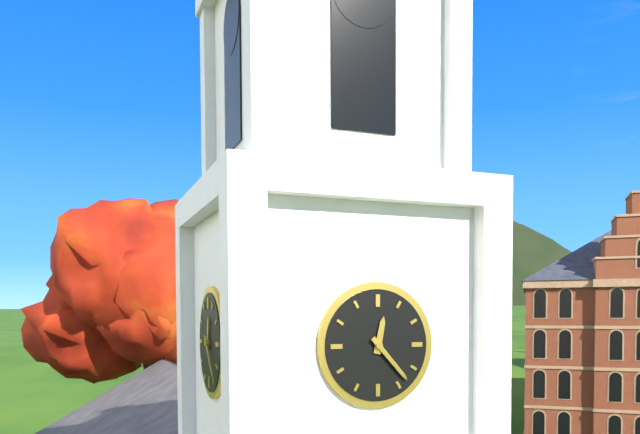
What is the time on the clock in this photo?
12:23
